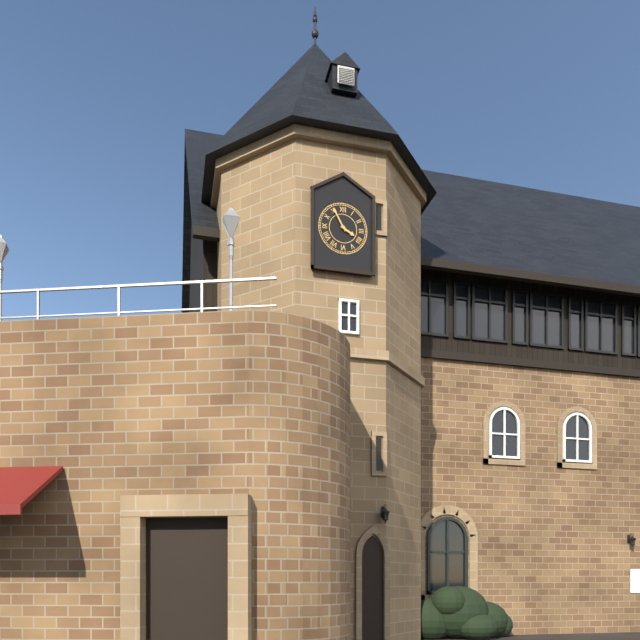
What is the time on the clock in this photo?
3:55
